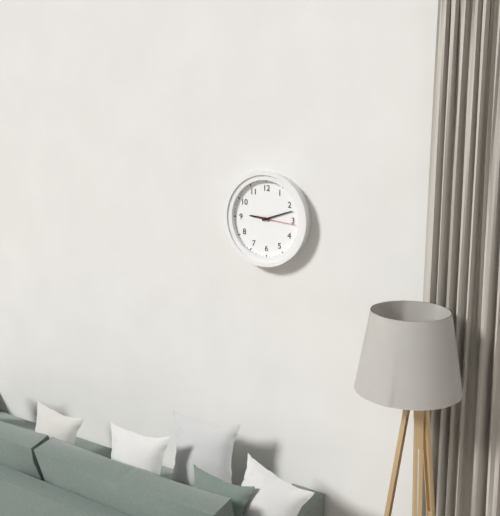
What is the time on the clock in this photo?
9:12
